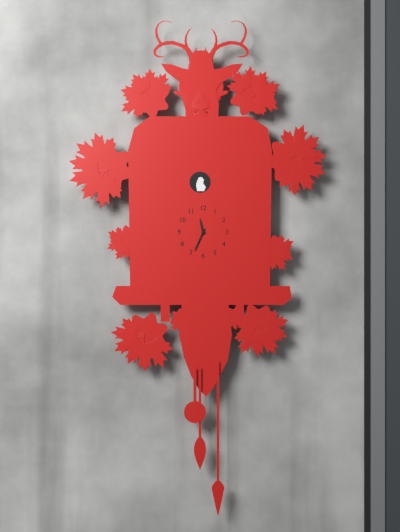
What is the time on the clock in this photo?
11:34
